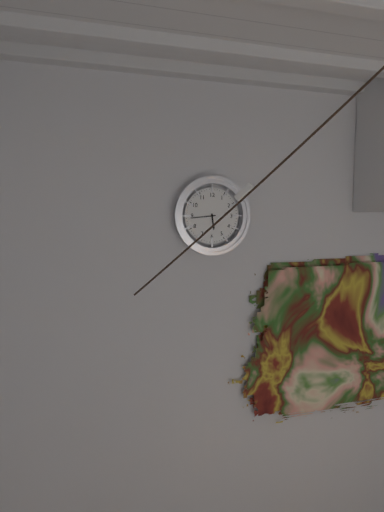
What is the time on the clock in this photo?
5:44
